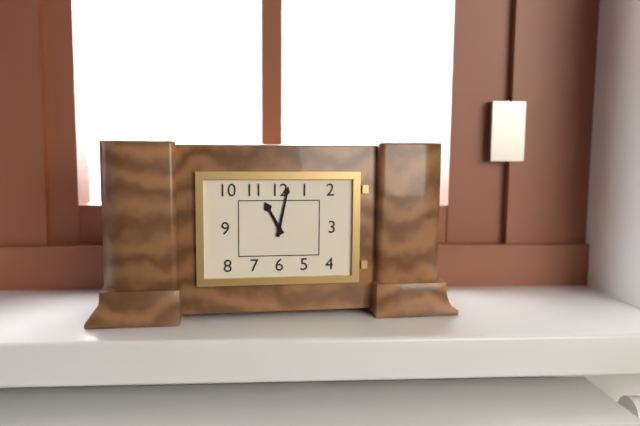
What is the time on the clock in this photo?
11:02
